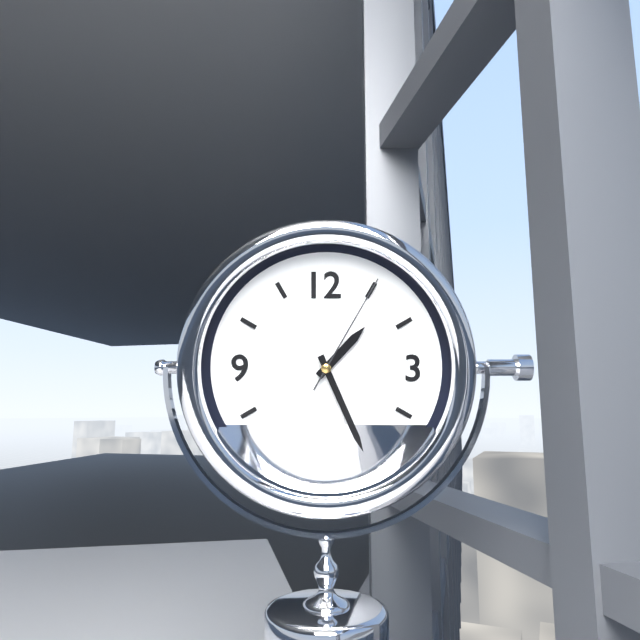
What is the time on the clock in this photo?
1:26:05
